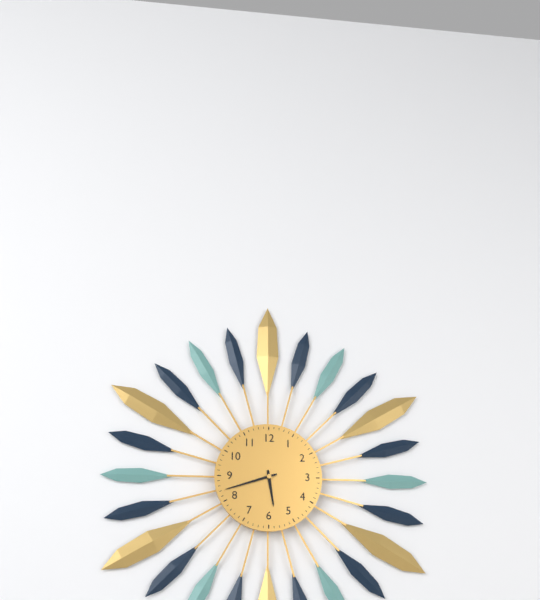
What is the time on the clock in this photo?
5:42
